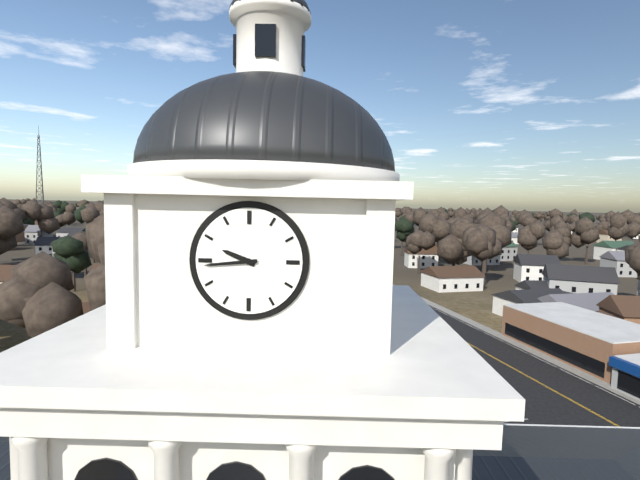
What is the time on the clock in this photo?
9:44
